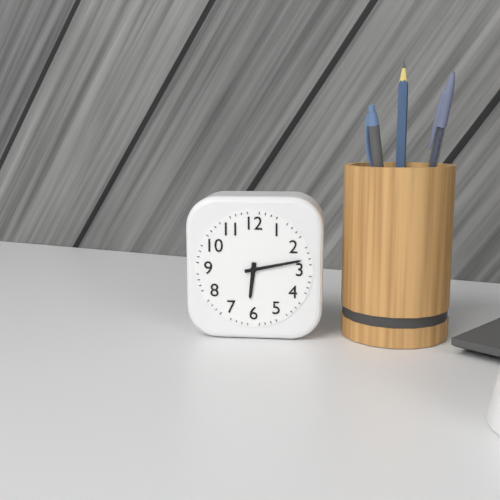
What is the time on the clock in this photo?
6:13
